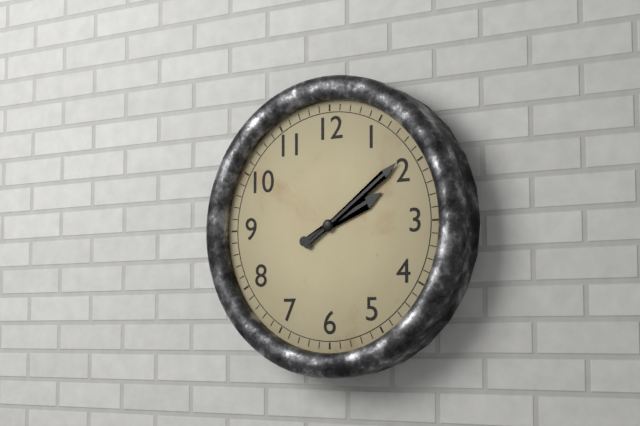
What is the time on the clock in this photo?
2:09
